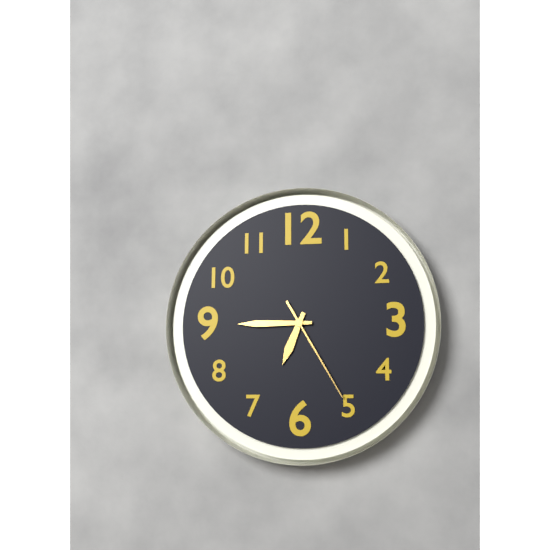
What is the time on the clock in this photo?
6:45:25
